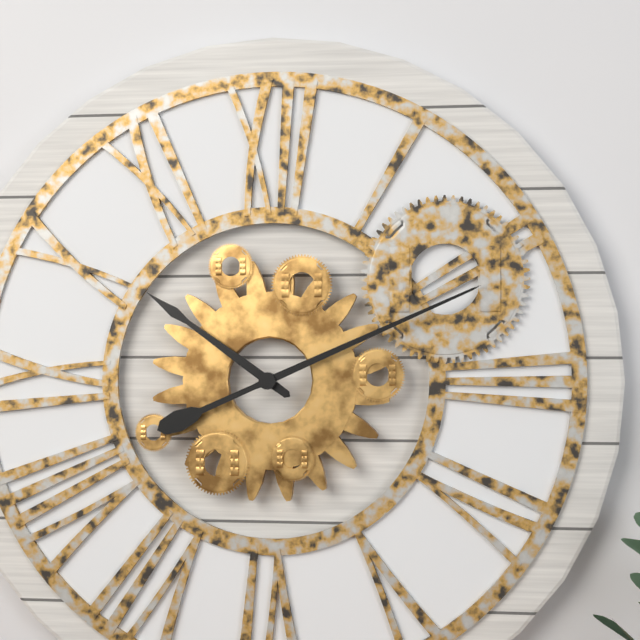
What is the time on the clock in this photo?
10:11
